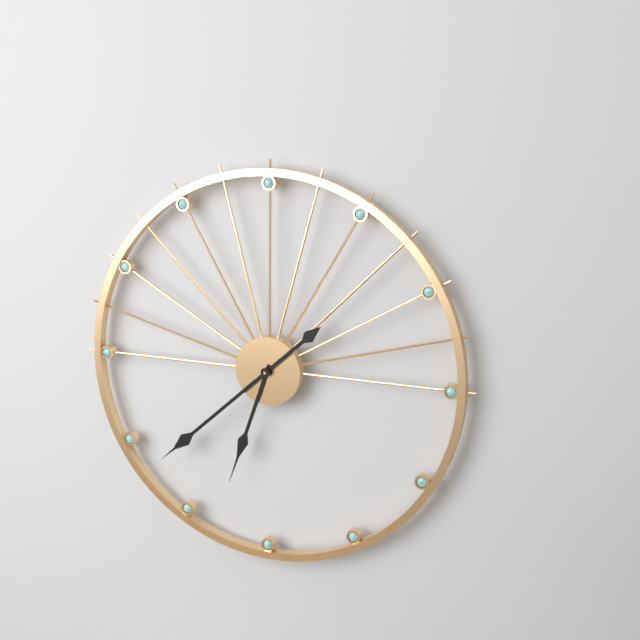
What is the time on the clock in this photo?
6:38
